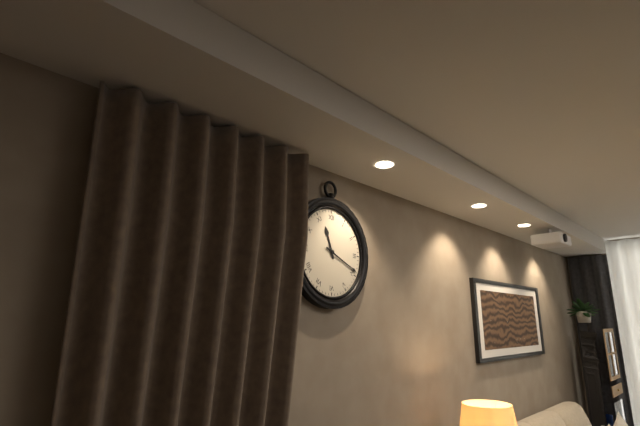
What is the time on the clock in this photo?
11:19
